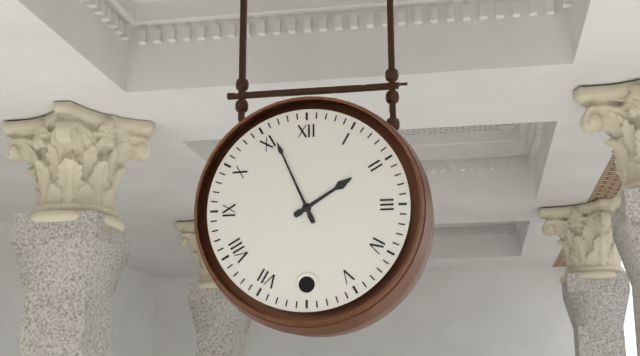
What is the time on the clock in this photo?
1:56
